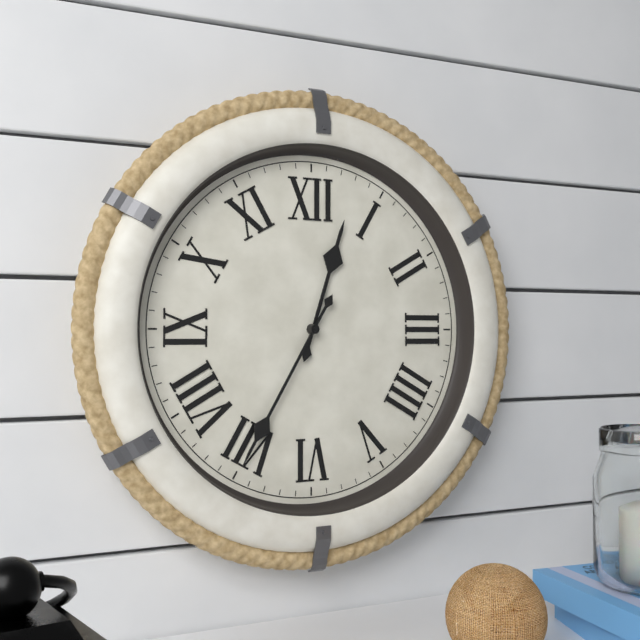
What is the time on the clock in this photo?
12:35
